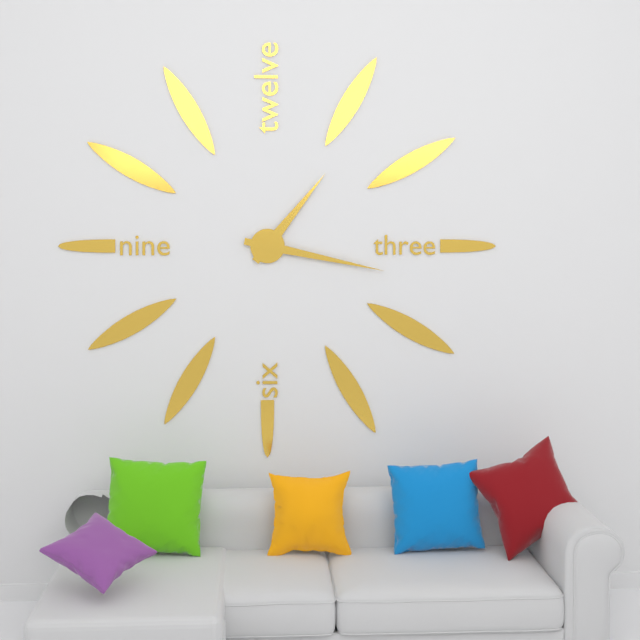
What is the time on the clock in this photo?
1:17
